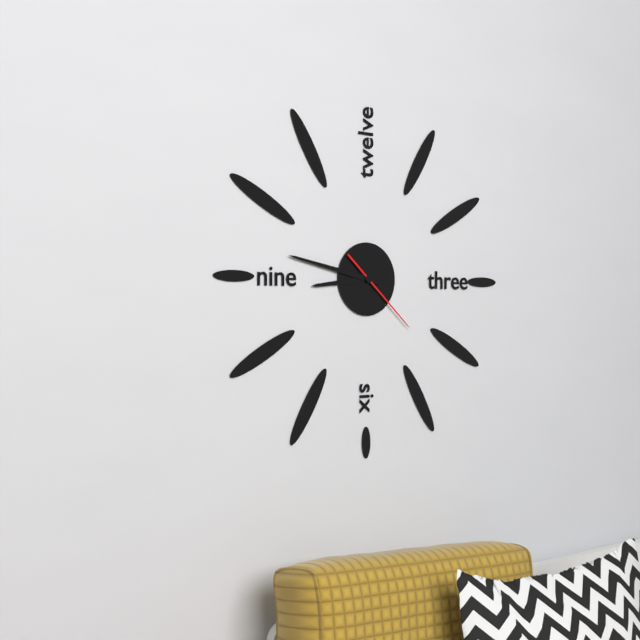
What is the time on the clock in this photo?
8:47:22
